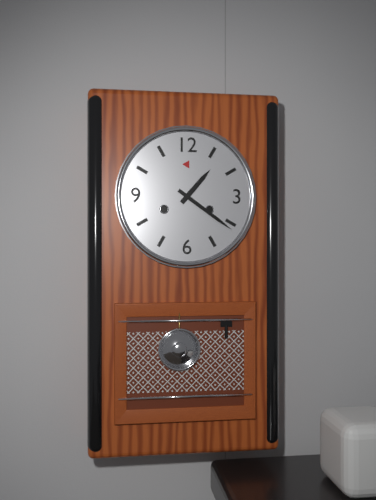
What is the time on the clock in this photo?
1:21
